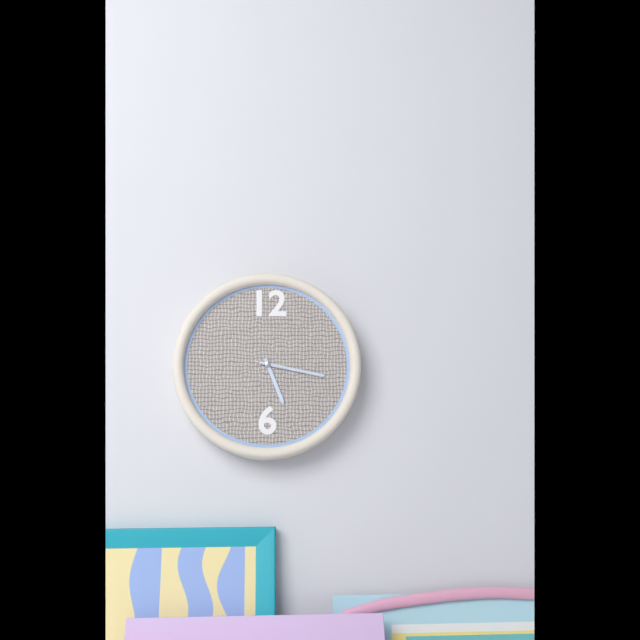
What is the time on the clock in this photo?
5:17:17
